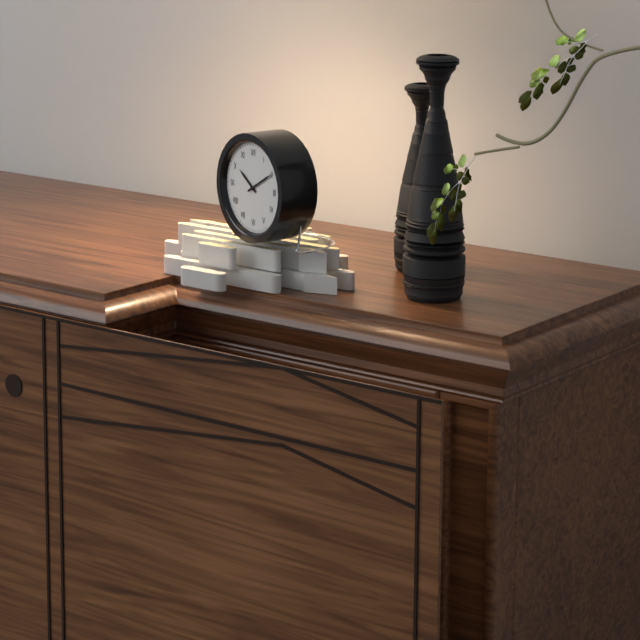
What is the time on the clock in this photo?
10:10
